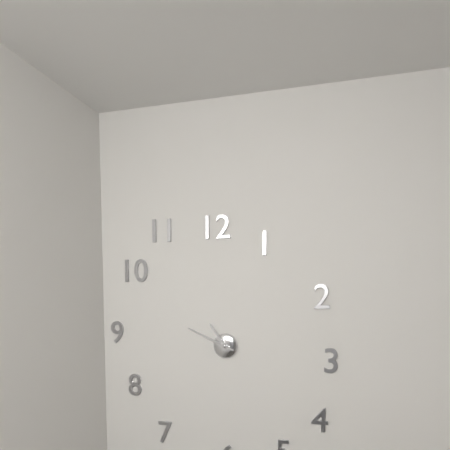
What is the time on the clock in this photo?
10:49
